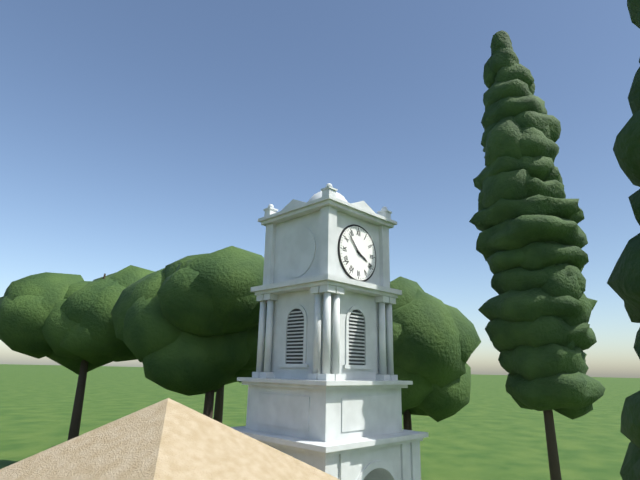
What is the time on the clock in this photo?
3:53
